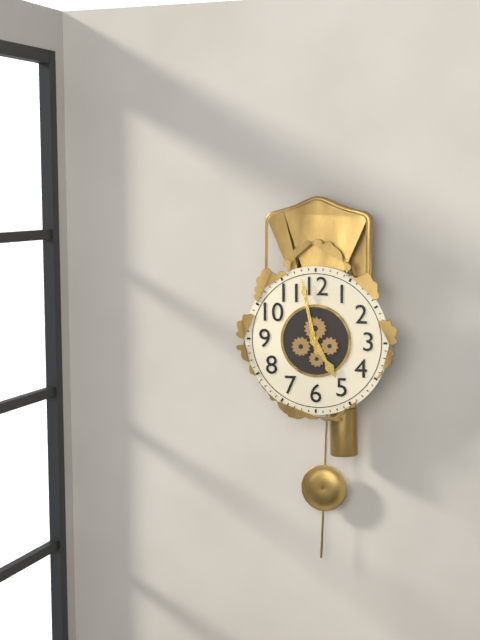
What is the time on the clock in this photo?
4:58
